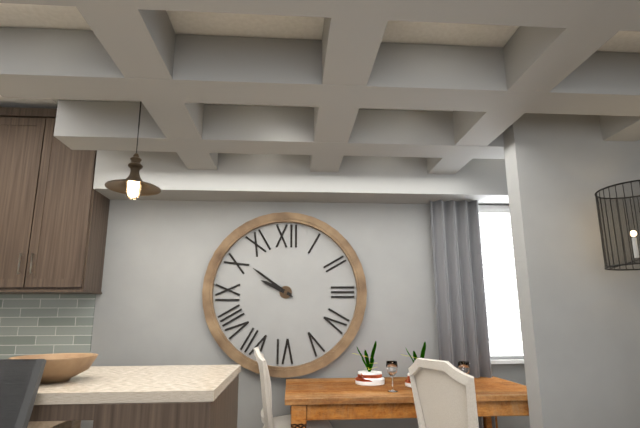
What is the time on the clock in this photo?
9:51
